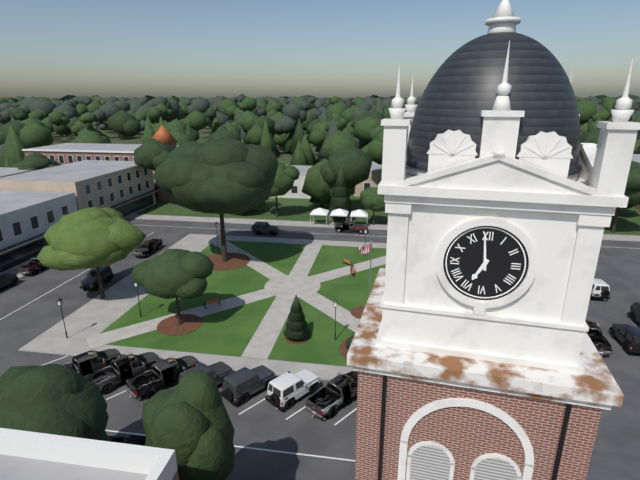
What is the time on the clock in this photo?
6:59
